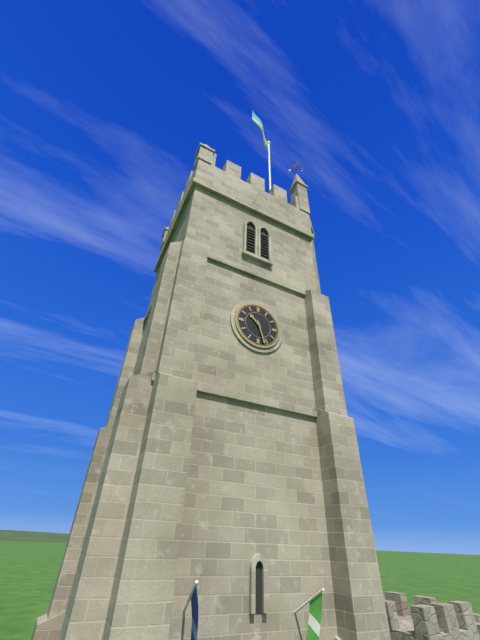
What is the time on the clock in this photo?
10:27
